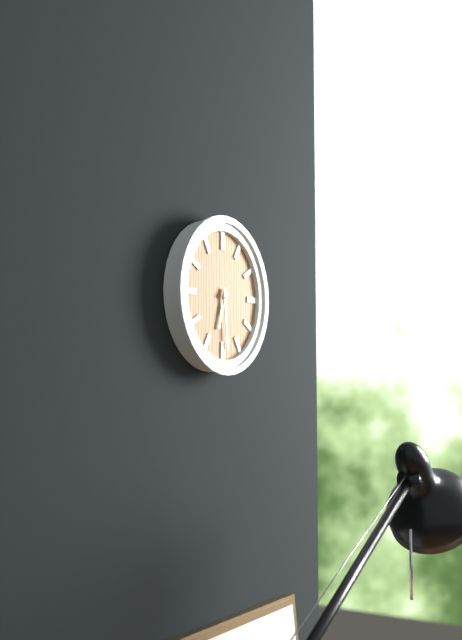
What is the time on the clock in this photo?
6:29
